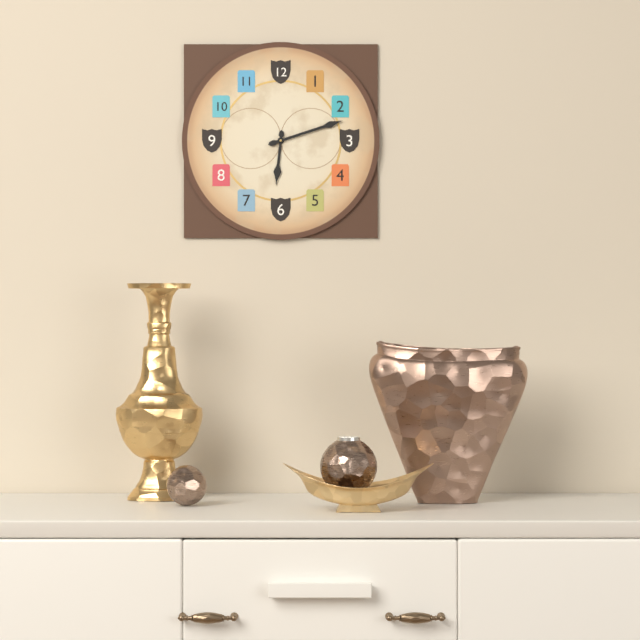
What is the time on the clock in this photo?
6:12
